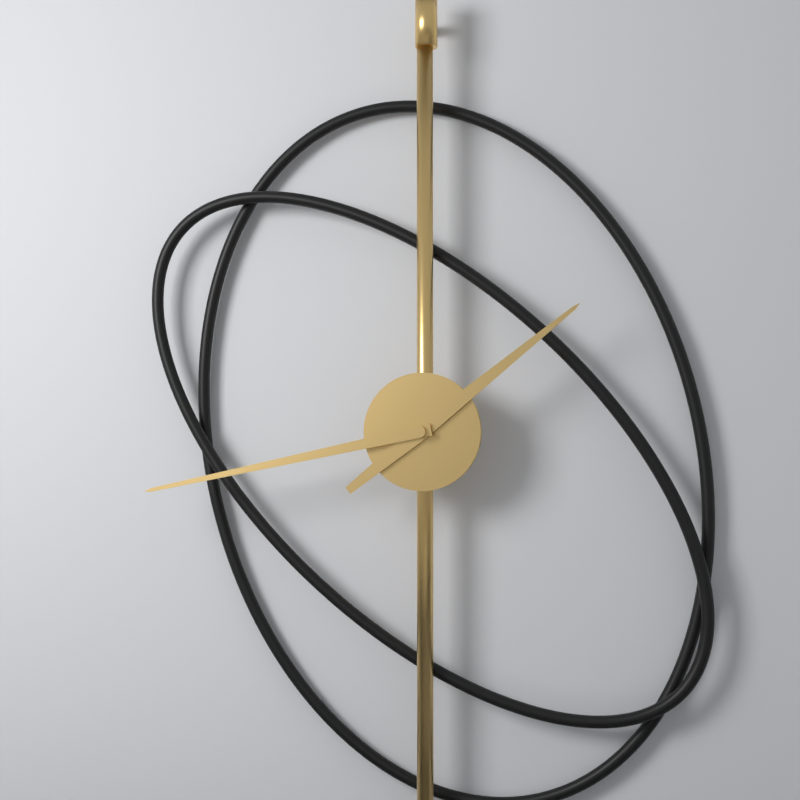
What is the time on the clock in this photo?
1:43
